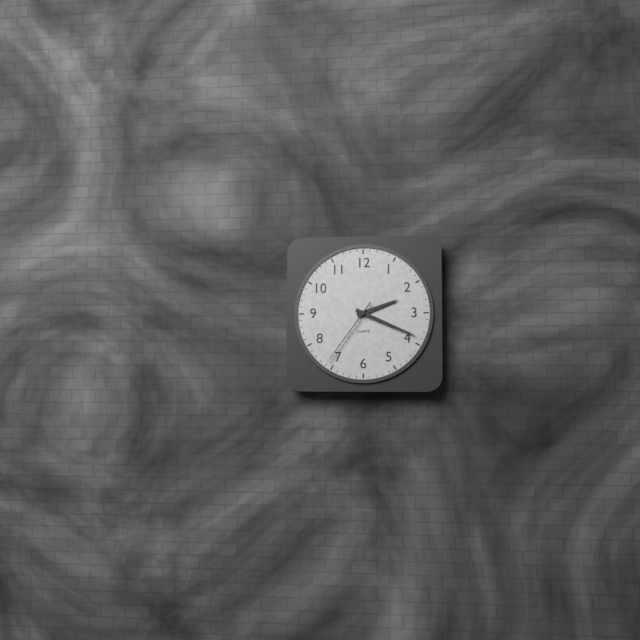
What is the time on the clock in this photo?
2:19:36
